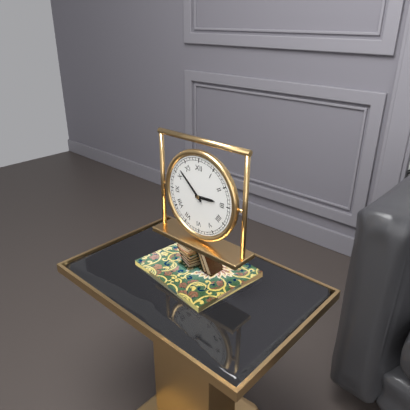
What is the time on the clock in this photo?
2:52
